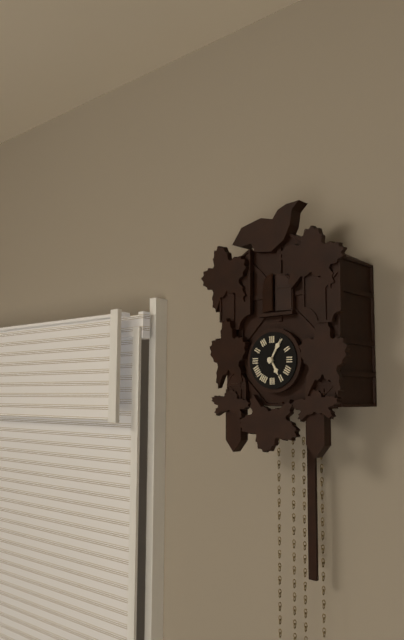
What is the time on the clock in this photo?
5:05
